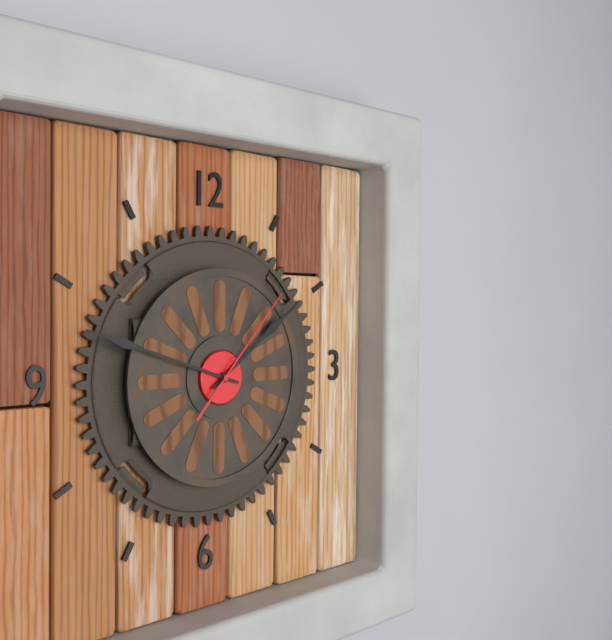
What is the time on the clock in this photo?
1:48:07
